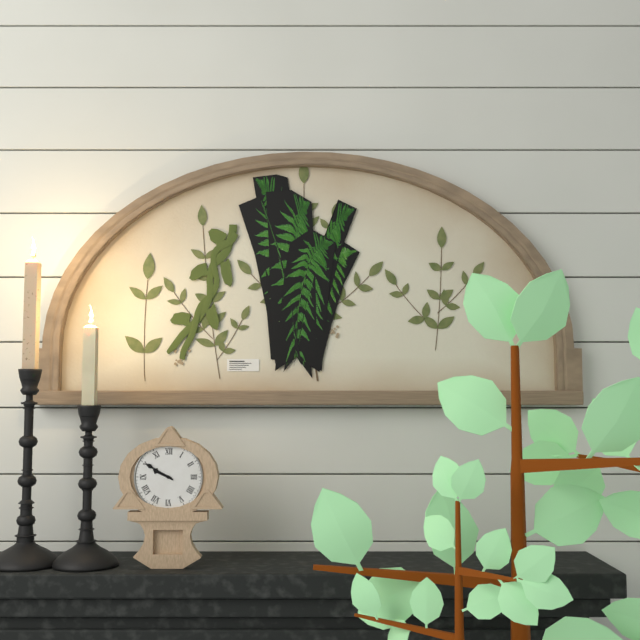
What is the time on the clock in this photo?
9:50
